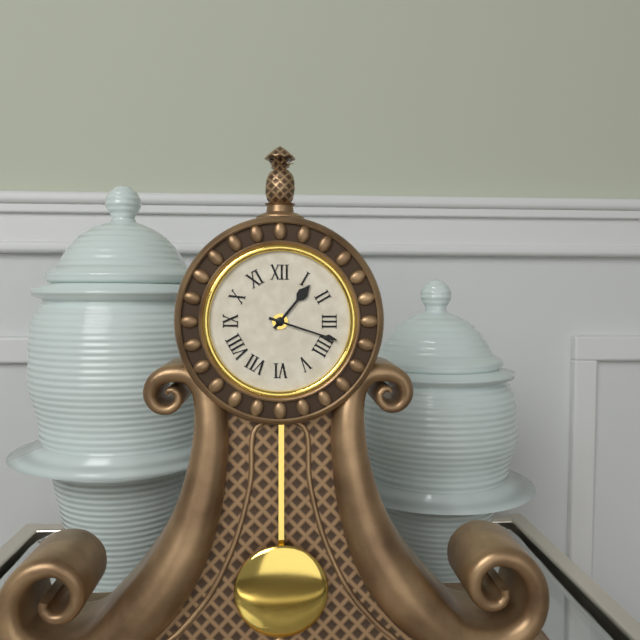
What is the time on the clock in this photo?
1:18
